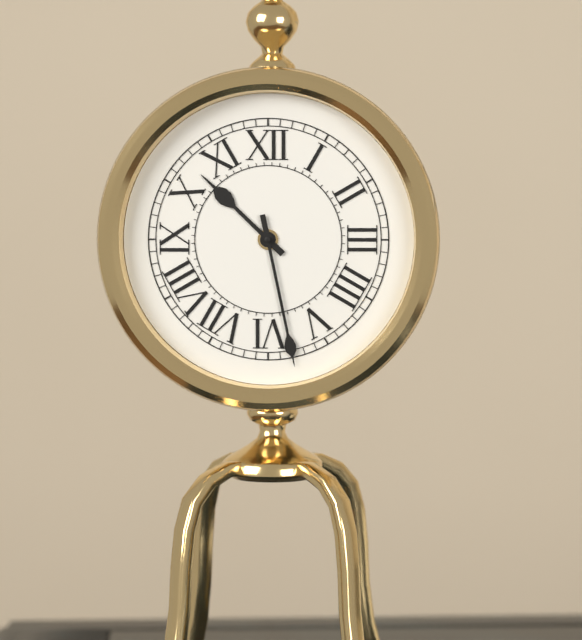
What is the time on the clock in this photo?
10:28
